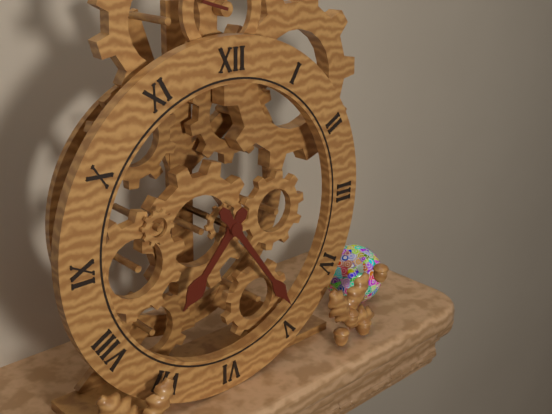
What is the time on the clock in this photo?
7:24
